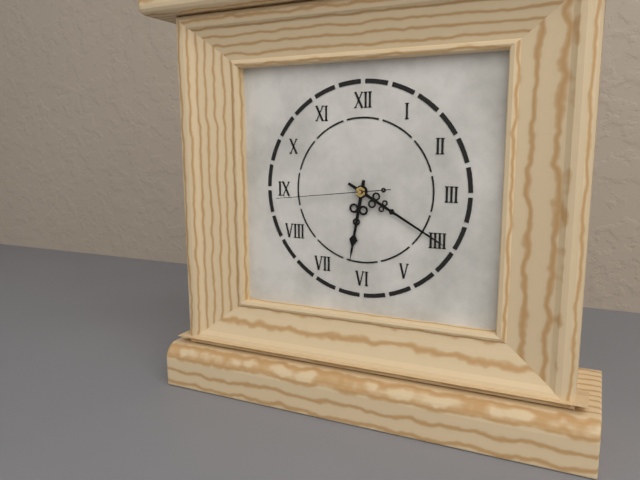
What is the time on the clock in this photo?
6:20:44
